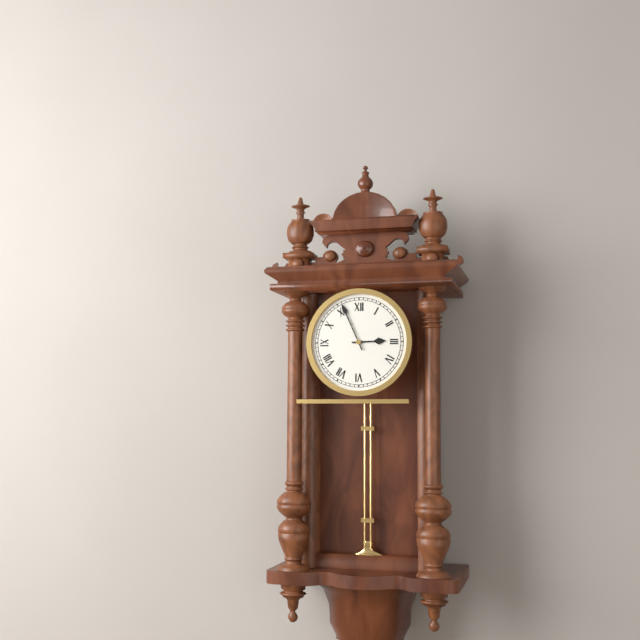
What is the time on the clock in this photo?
2:56
